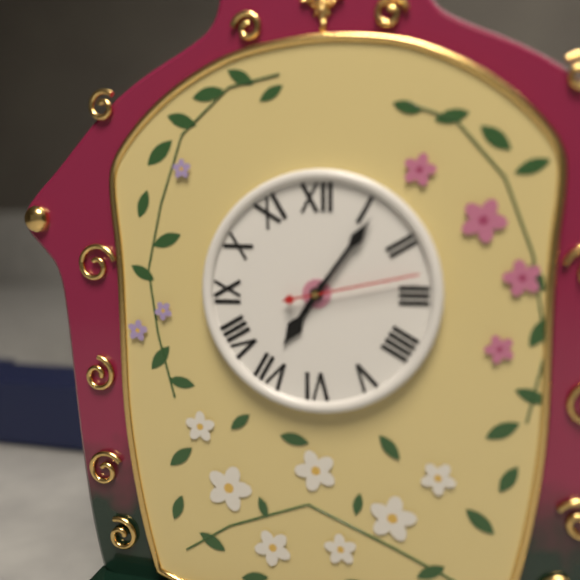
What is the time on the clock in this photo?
7:06:13
